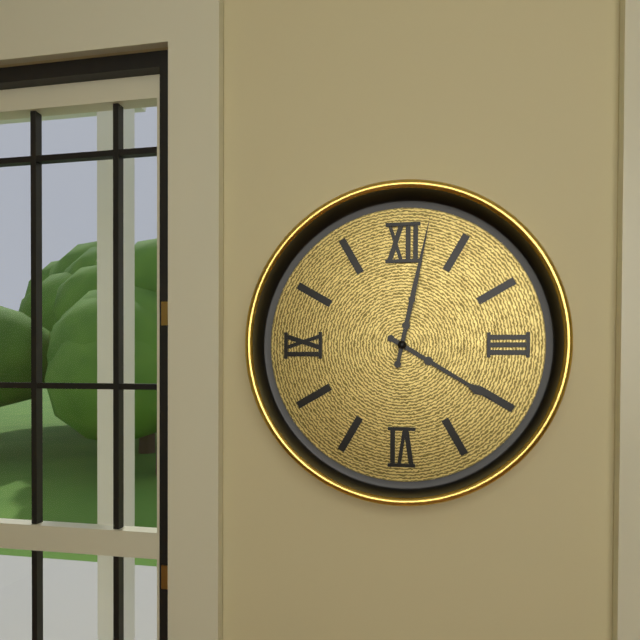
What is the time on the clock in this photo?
4:02
